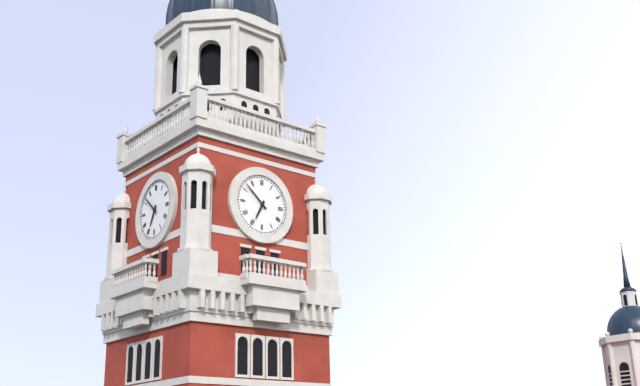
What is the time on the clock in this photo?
6:52
